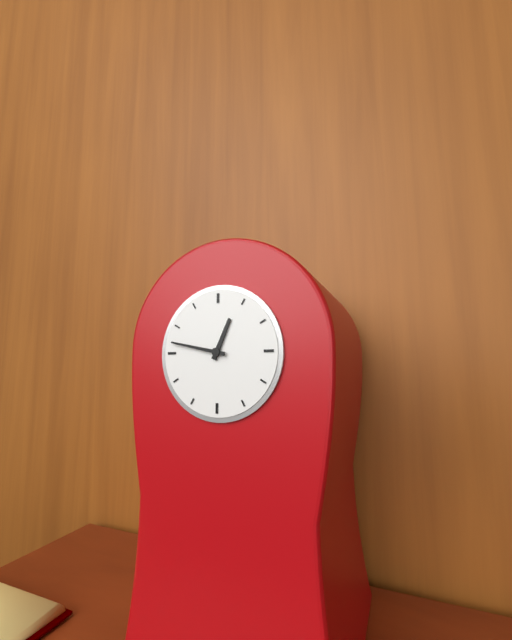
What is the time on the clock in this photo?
12:47
